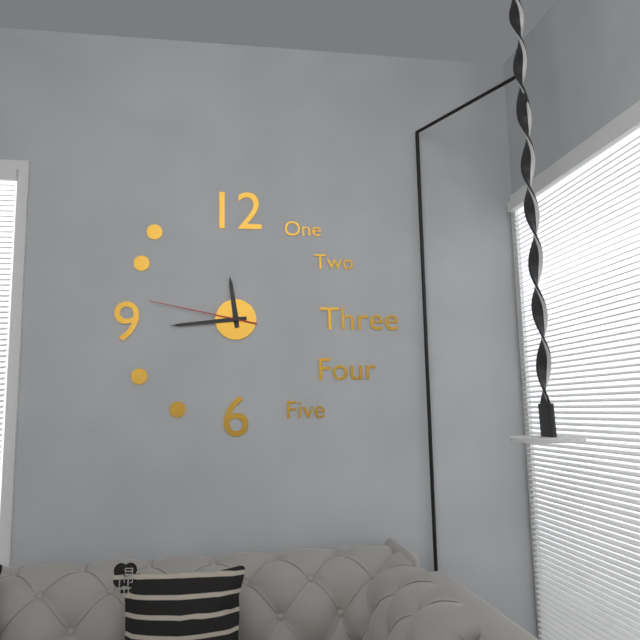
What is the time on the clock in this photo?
11:44:47
